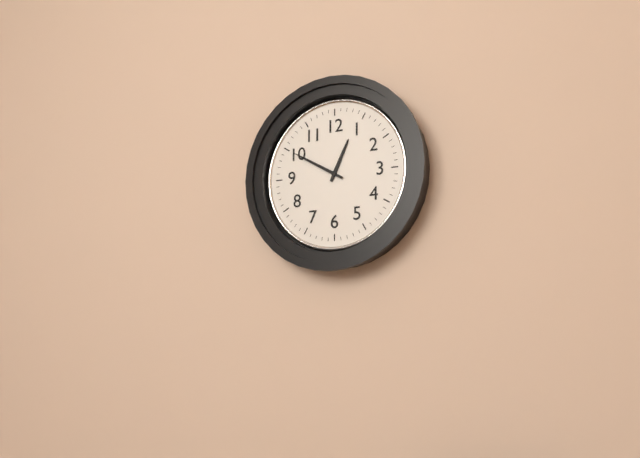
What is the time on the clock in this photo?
12:50
